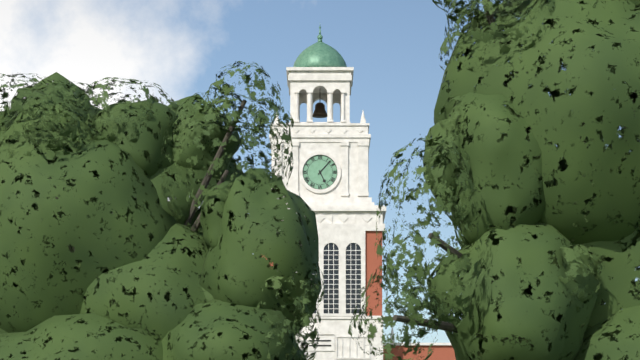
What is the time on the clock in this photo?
5:07
